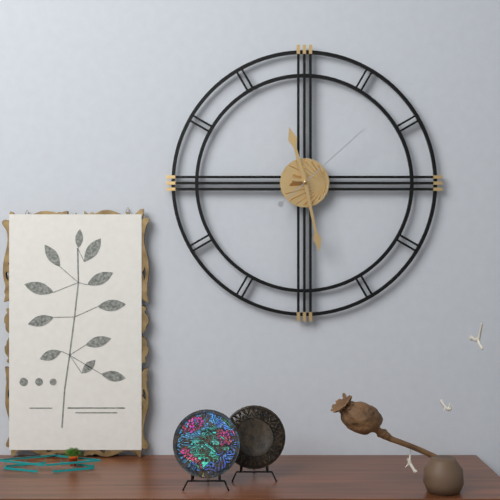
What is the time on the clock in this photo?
11:28:08
